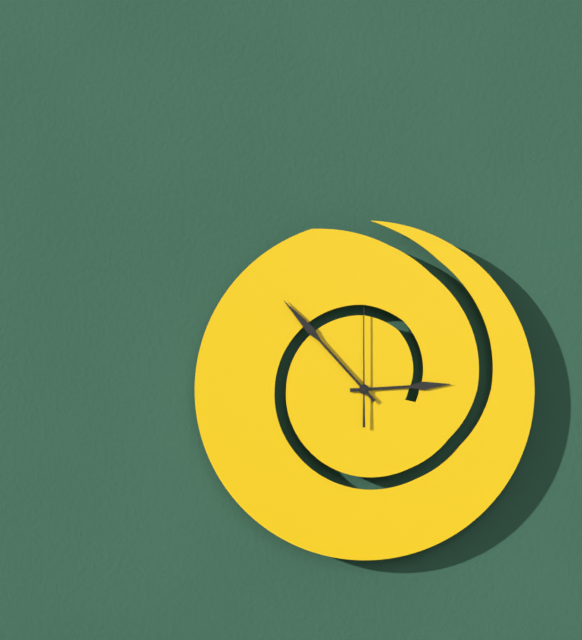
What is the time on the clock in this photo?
2:53:00
